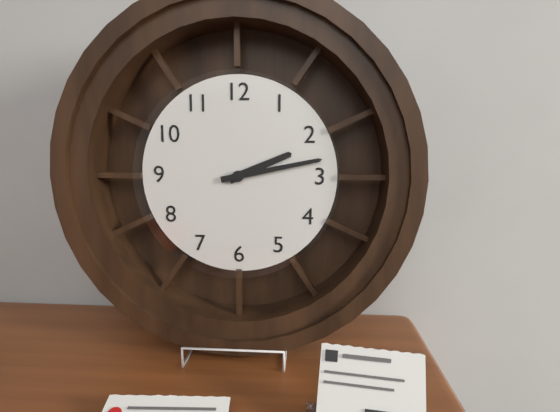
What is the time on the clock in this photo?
2:13
